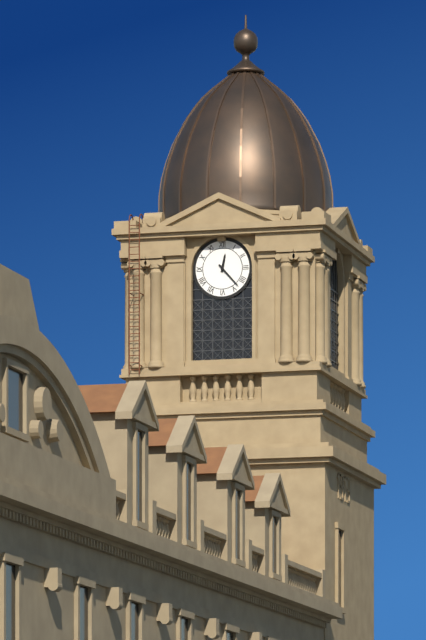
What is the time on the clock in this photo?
12:23
